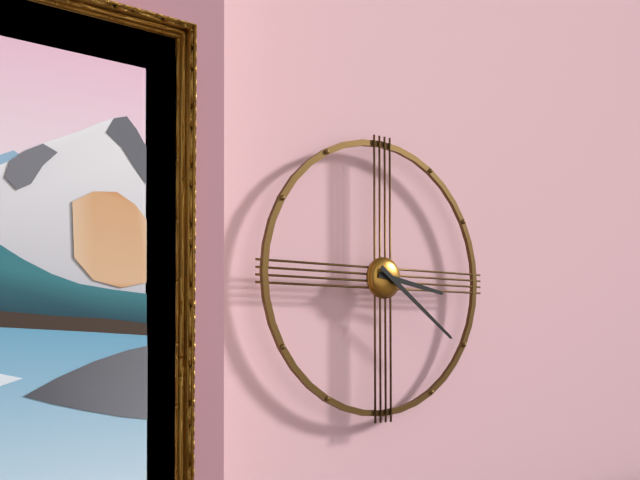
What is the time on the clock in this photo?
3:21
